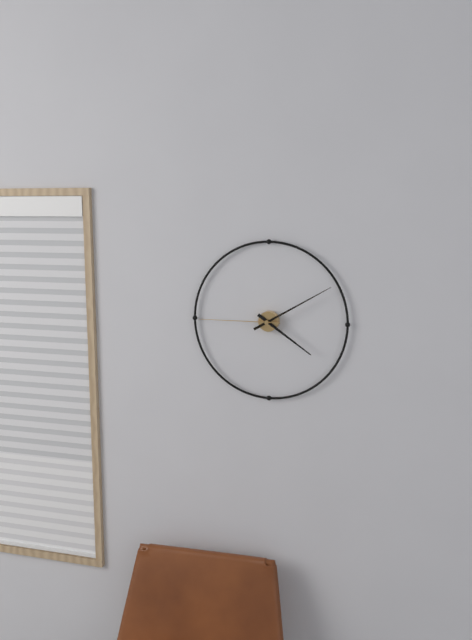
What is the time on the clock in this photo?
4:10:45
